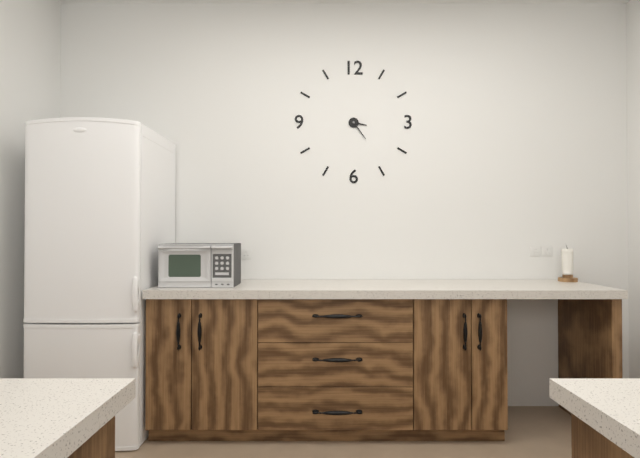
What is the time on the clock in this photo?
3:24
